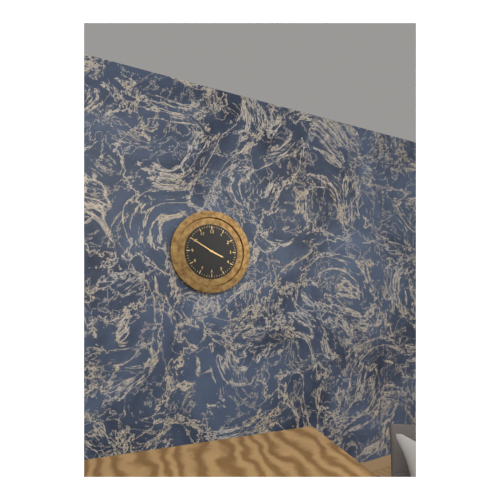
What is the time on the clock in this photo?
3:50
